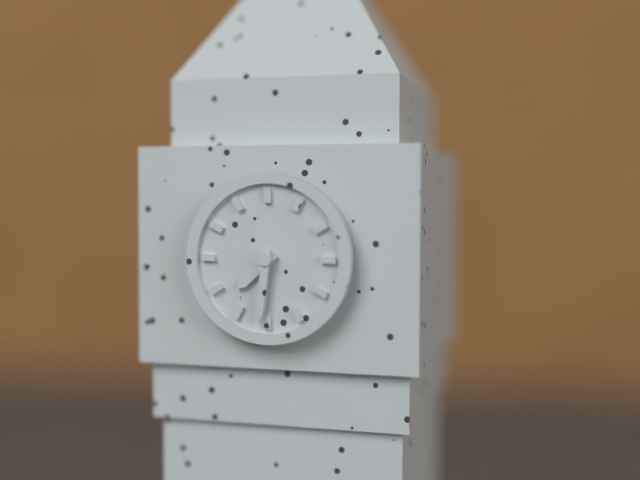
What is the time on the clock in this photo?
7:31
